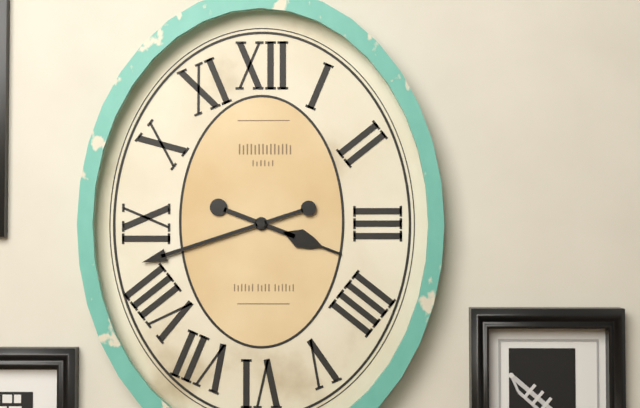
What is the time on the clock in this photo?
3:42
